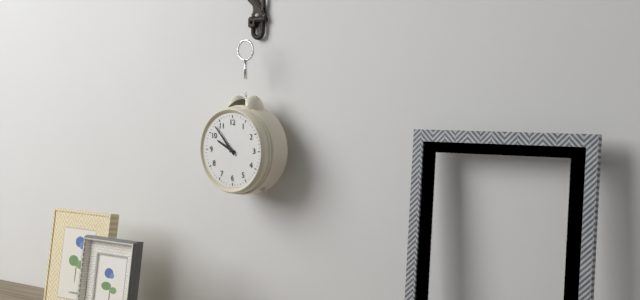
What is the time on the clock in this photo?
9:53
